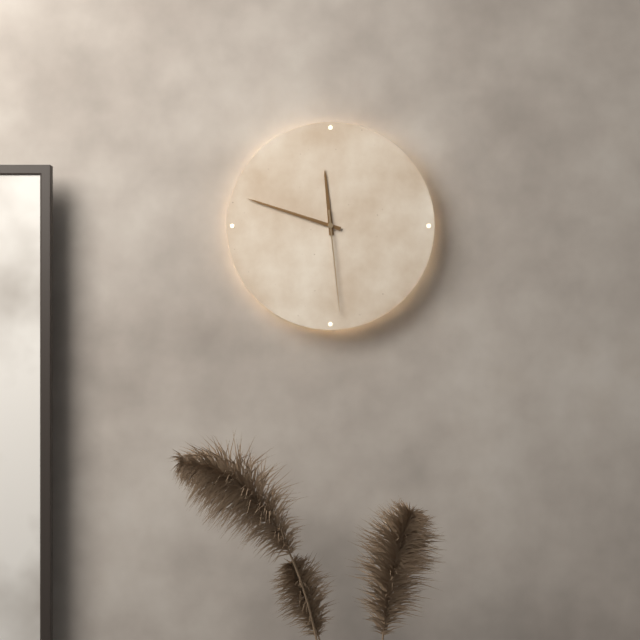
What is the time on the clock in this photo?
11:48:29
